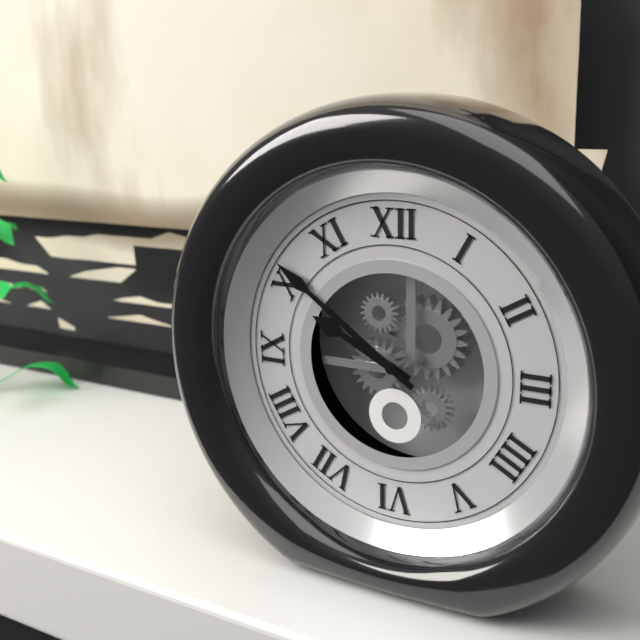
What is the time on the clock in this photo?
9:51
